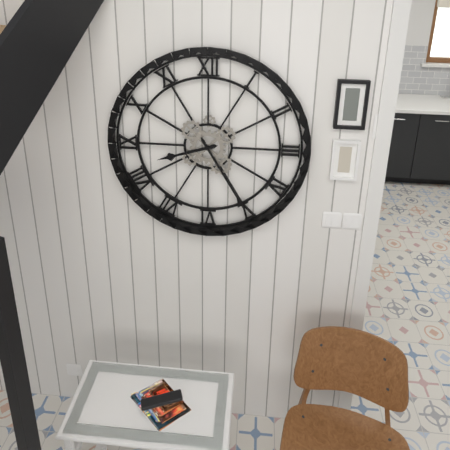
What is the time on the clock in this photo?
8:25
